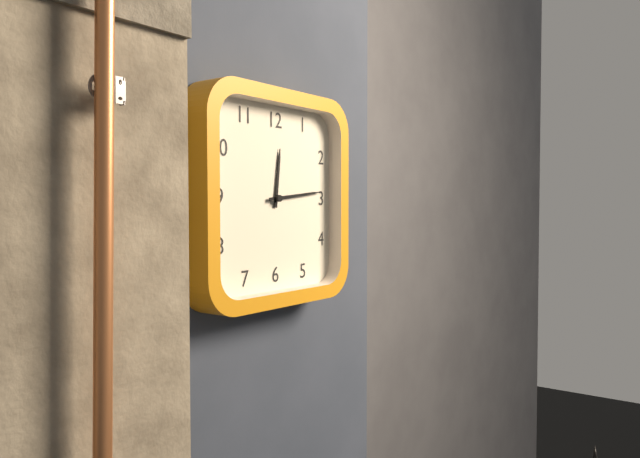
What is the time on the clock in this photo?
12:14
